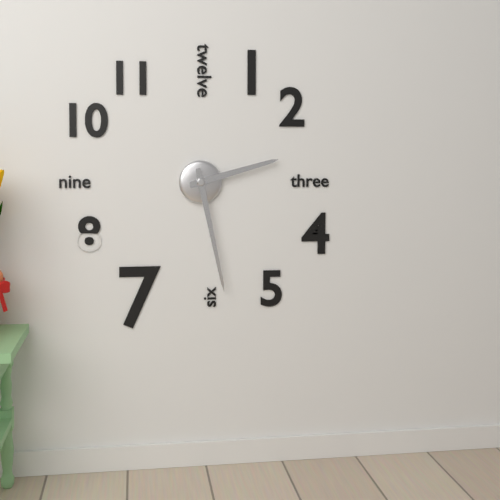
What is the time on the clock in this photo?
2:28
